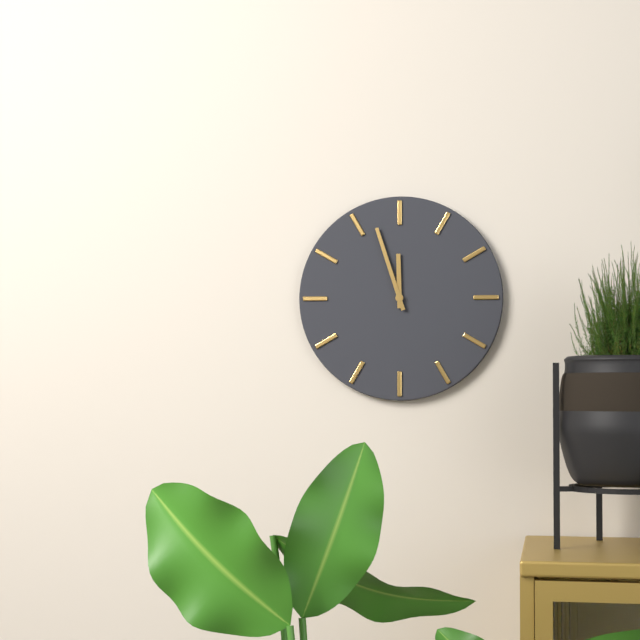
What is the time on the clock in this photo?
11:57
